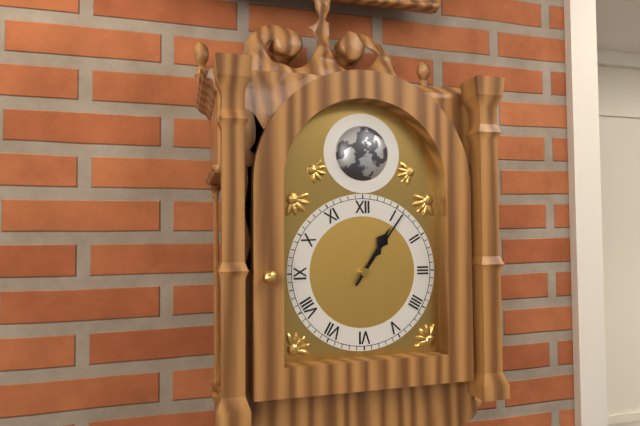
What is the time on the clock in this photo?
1:06
